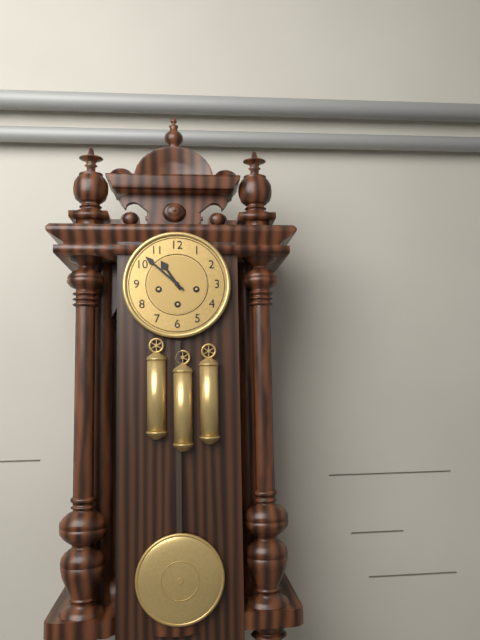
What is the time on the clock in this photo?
10:52
